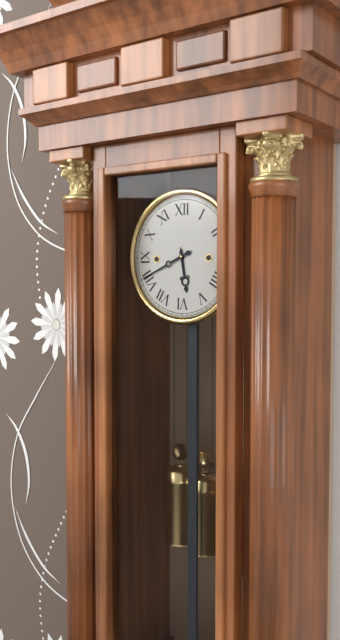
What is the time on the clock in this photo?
5:41
